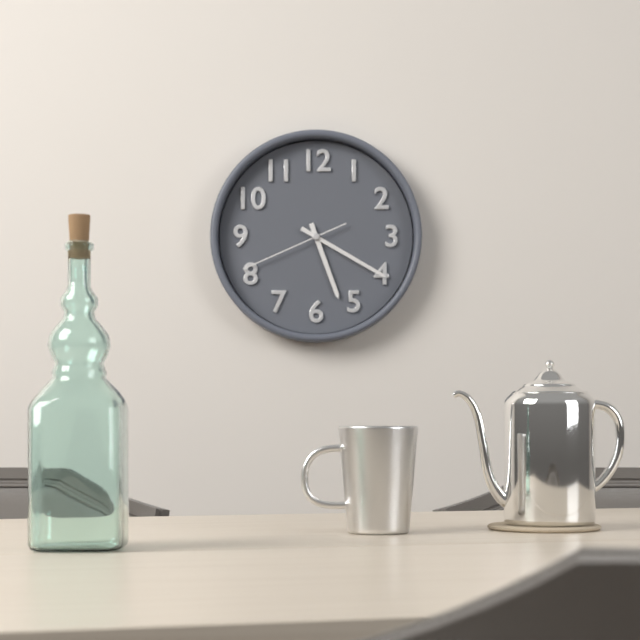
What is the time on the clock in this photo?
5:20:41
